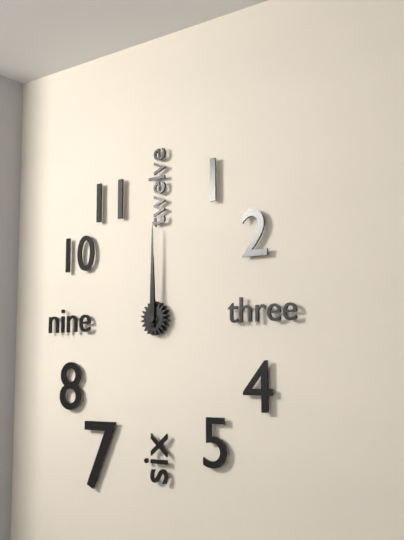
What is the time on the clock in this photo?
12:00
